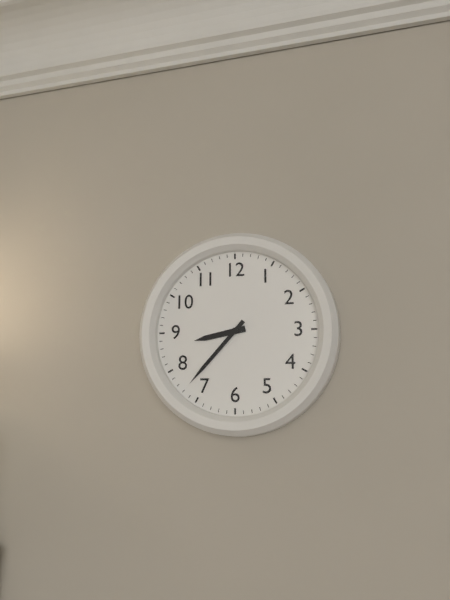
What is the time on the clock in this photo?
8:37
